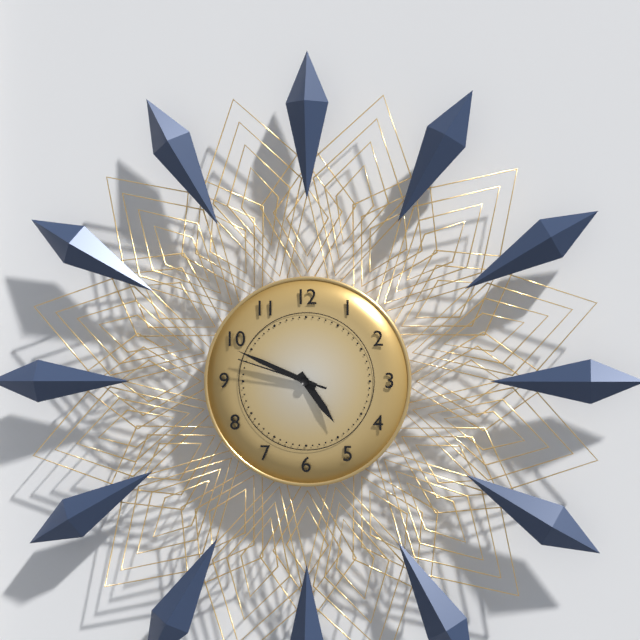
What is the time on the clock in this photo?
4:49:48
